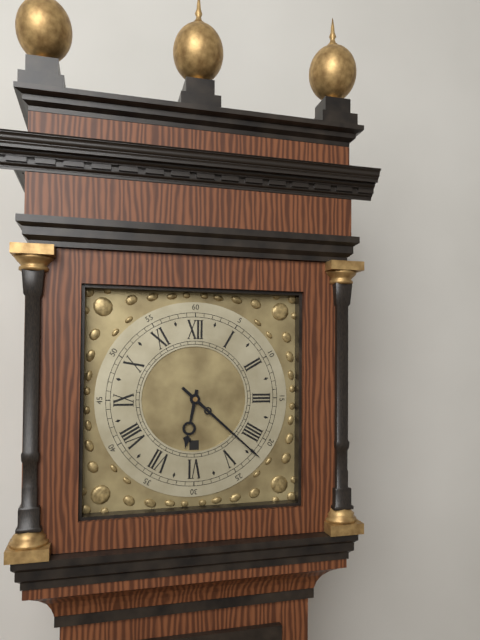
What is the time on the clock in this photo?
6:22
